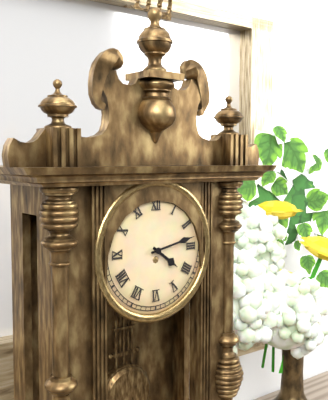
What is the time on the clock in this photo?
4:13
